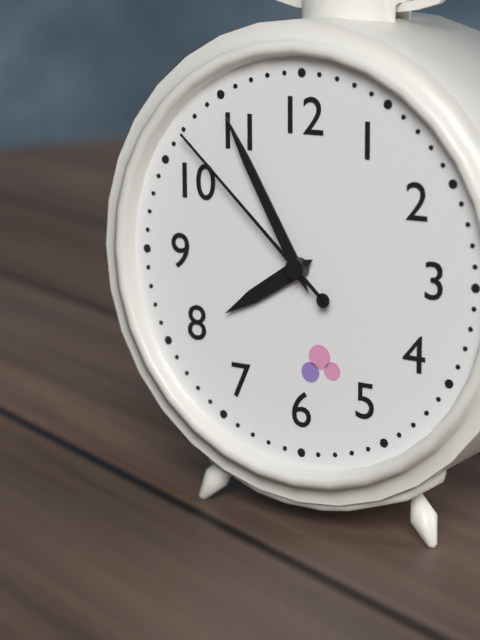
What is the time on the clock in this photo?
7:55:52
